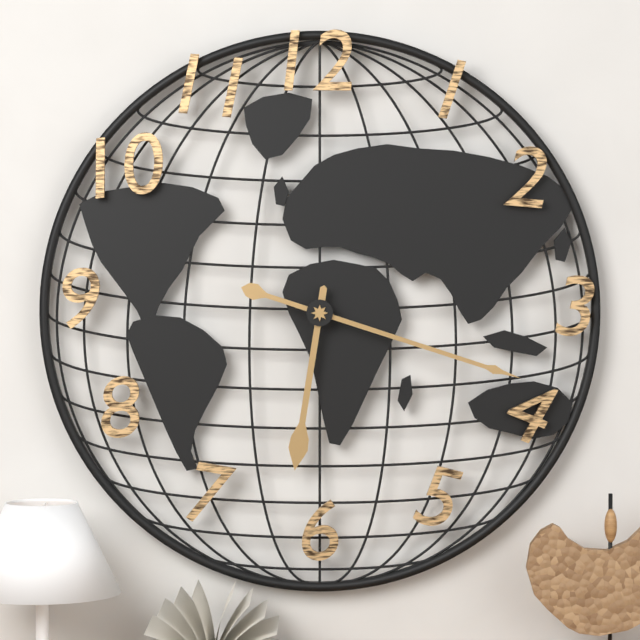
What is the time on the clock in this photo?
6:18
